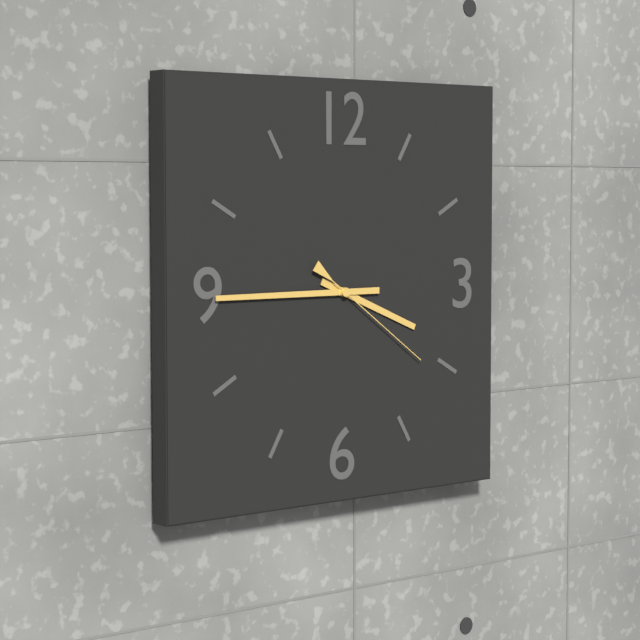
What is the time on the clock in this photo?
3:45:21
